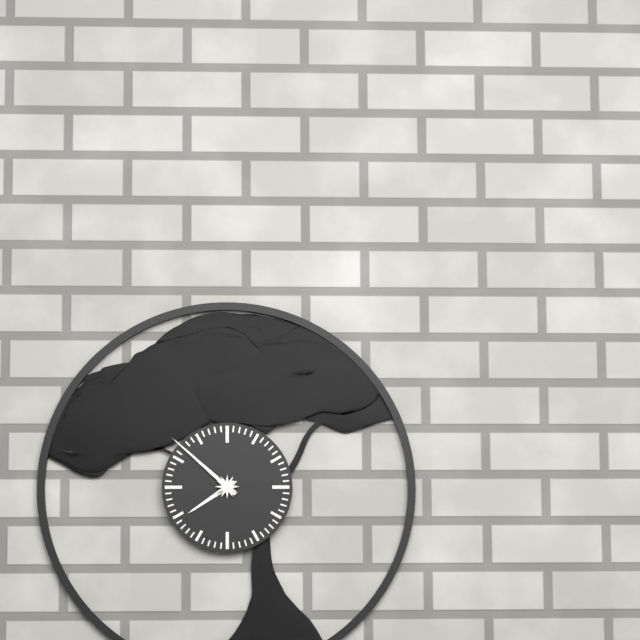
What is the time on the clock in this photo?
7:52
